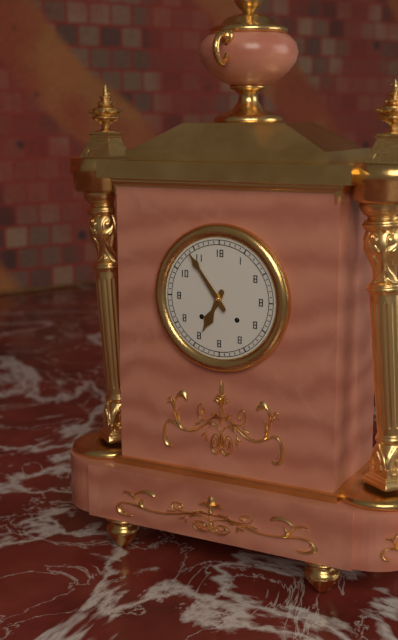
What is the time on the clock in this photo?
6:54
